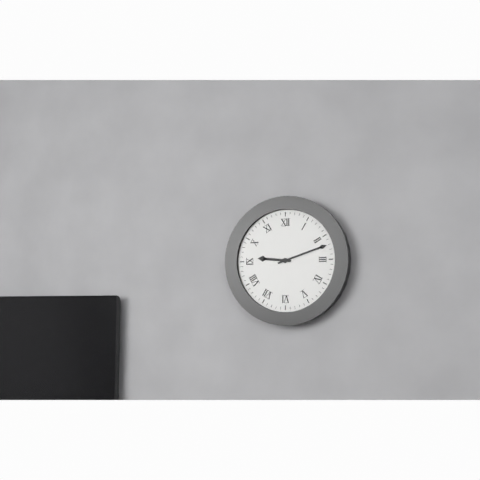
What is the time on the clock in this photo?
9:12
